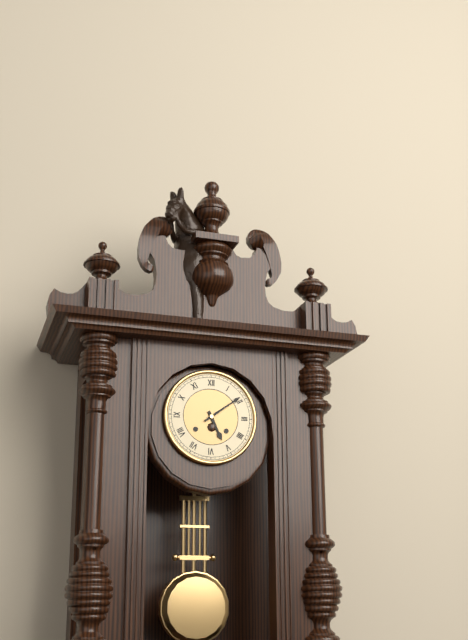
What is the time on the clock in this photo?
5:09
